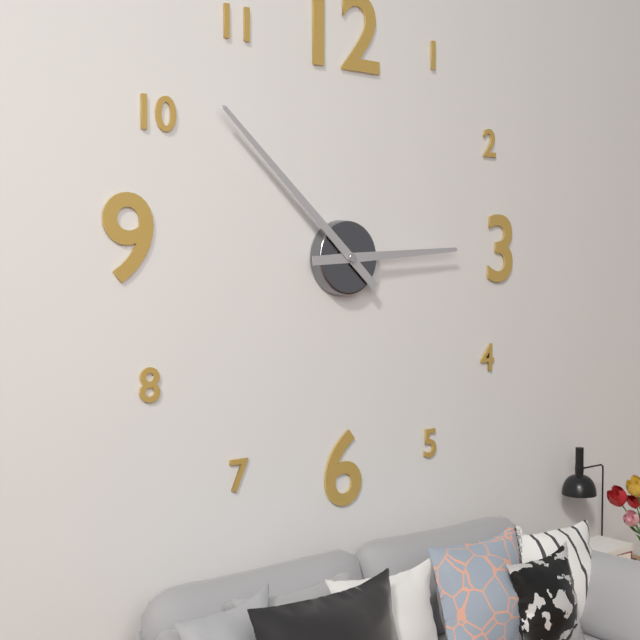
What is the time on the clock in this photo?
2:52
